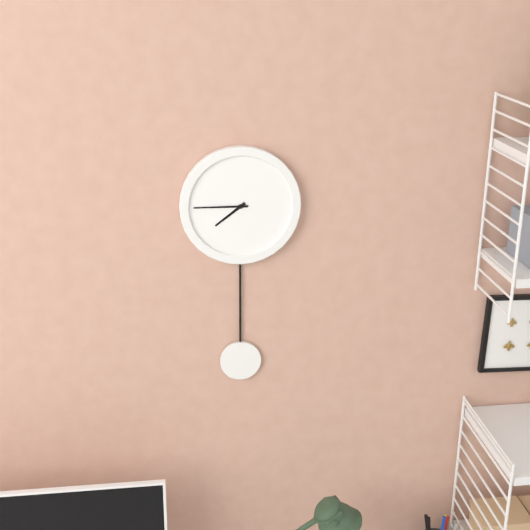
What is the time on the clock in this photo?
7:45
